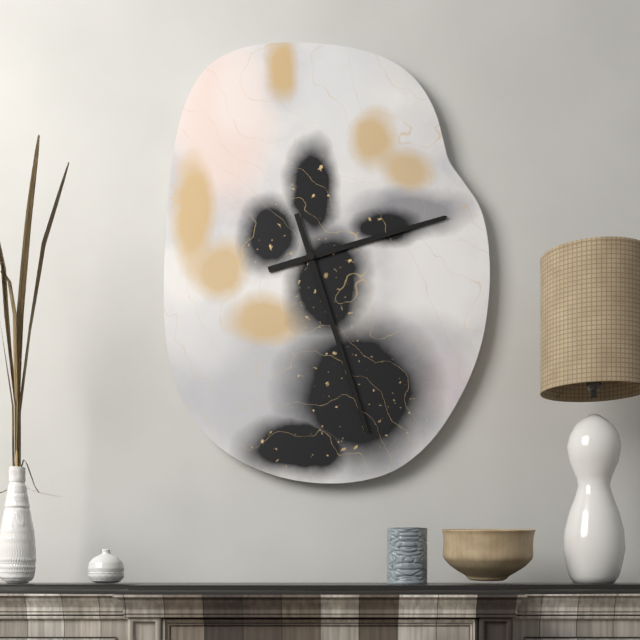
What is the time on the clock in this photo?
2:27
